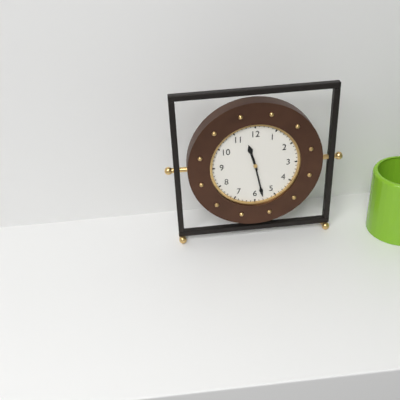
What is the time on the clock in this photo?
11:28
